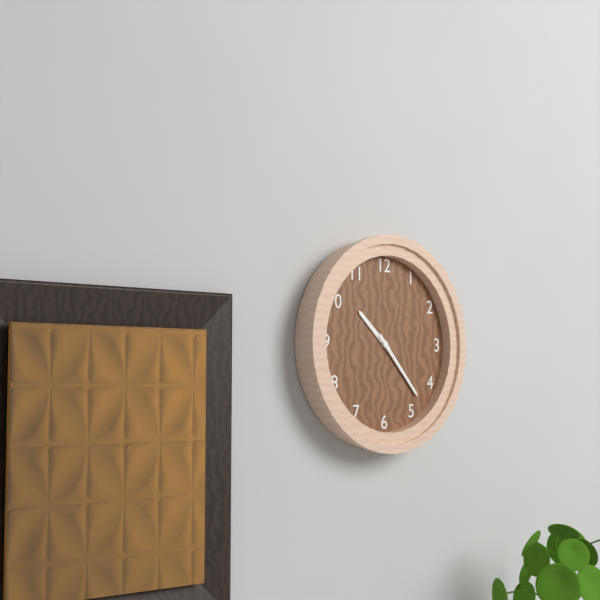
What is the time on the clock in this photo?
10:23
